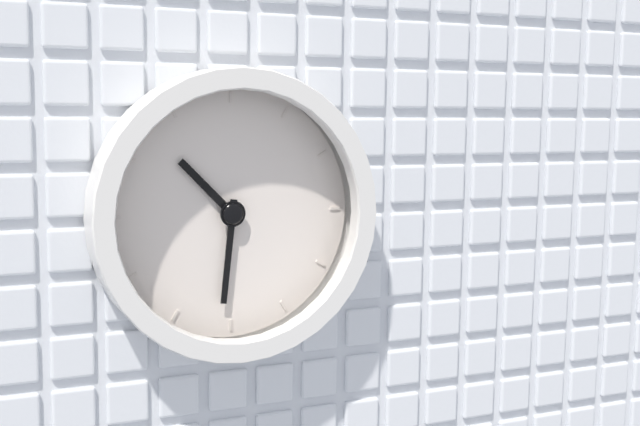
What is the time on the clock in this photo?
10:31
